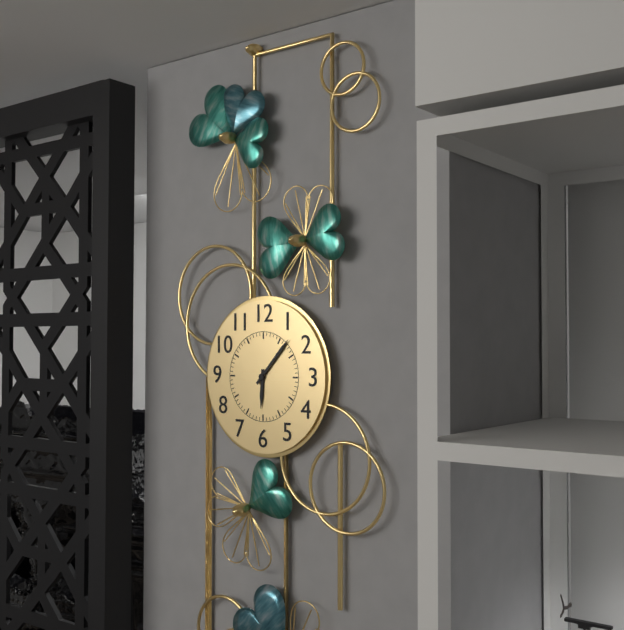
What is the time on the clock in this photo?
6:07
